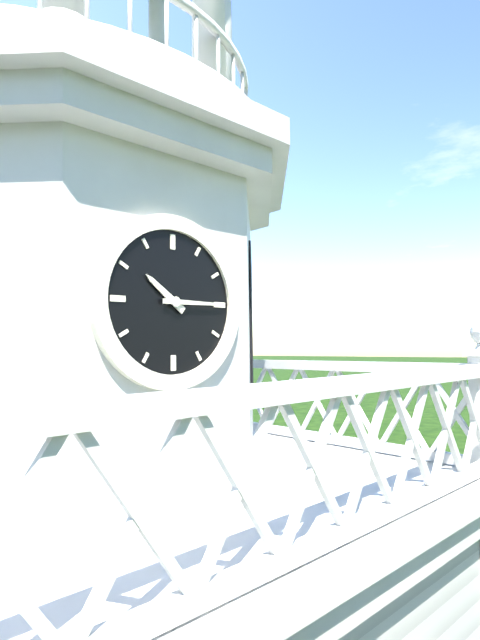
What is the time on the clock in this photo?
10:15
